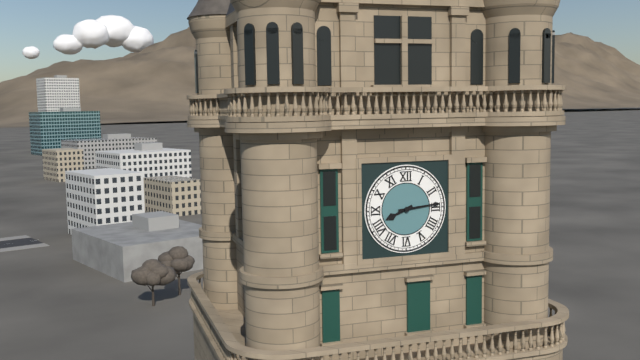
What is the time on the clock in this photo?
8:14
